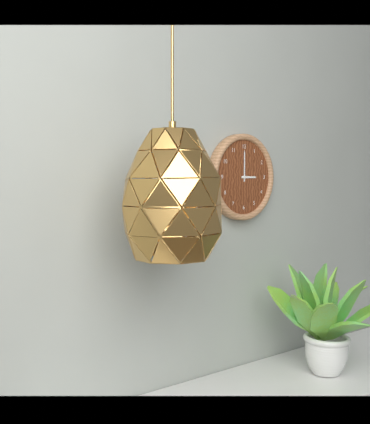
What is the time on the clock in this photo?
3:00
